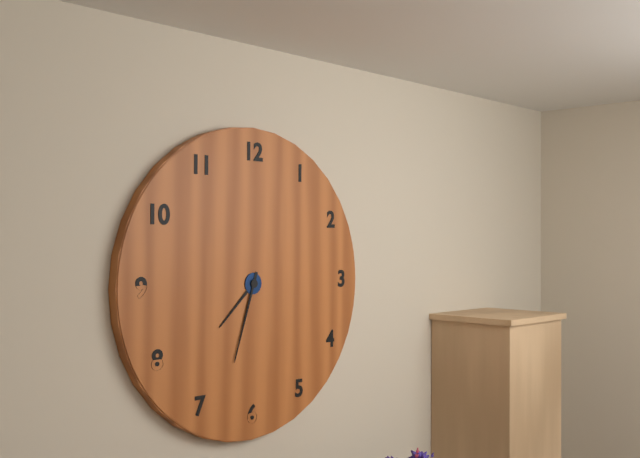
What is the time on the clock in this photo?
7:33
